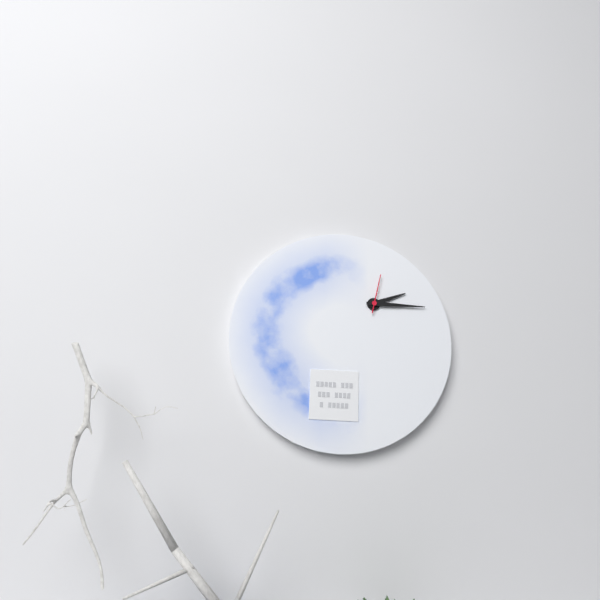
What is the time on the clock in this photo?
2:15
